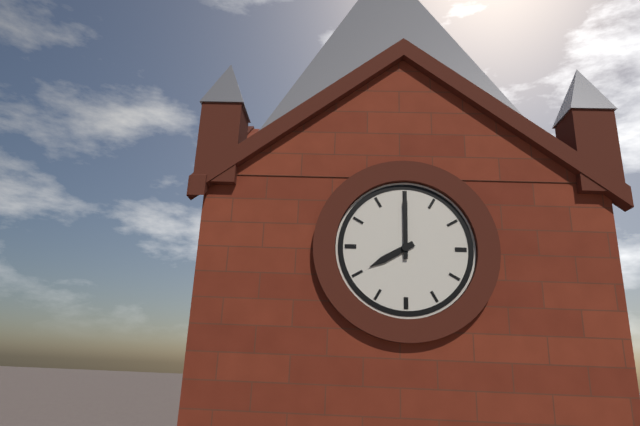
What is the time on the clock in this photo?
8:00
